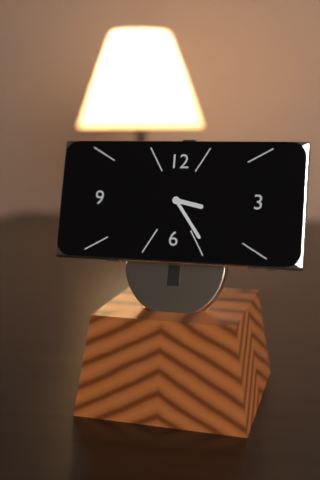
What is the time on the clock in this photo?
3:24
